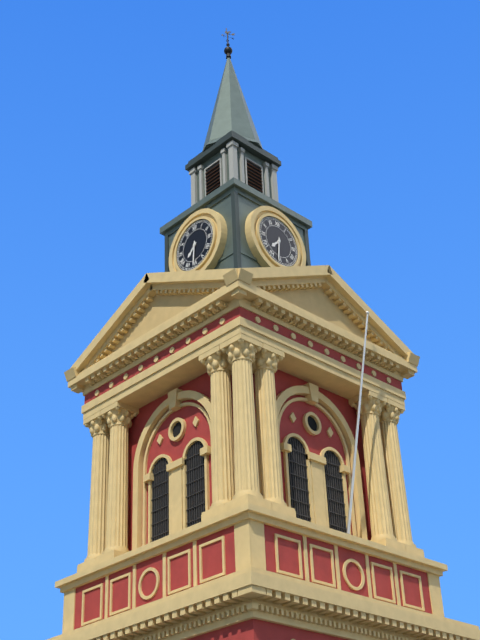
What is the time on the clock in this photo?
7:31
